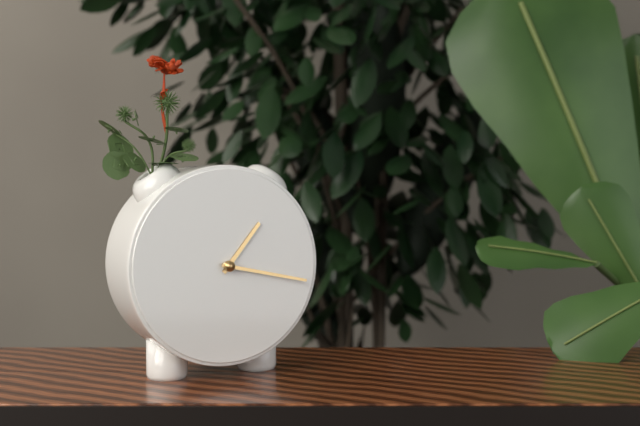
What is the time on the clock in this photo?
1:17
